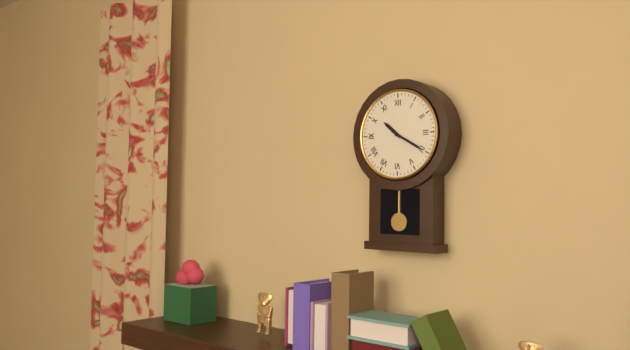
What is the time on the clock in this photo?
10:20
